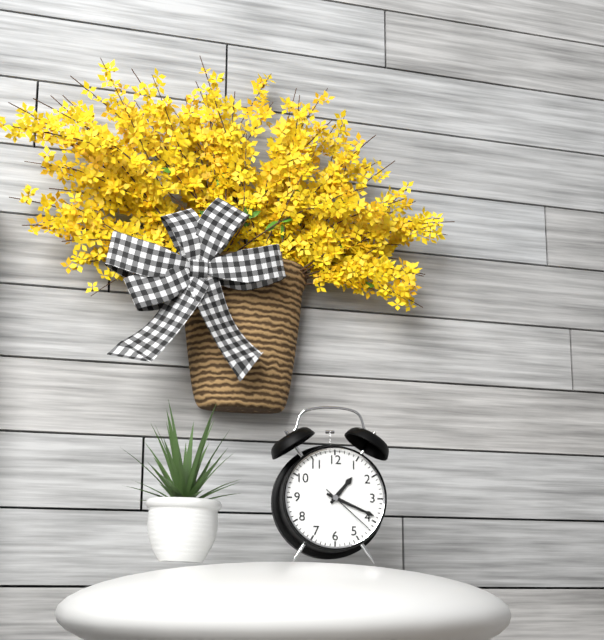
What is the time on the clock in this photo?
1:19:22
